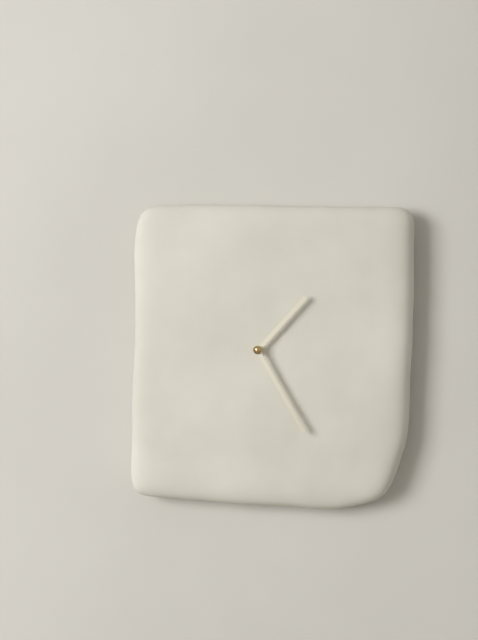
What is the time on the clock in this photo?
1:25
